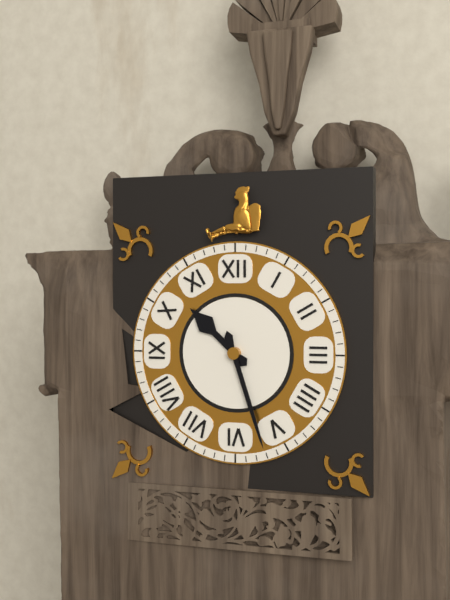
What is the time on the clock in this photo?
10:27
